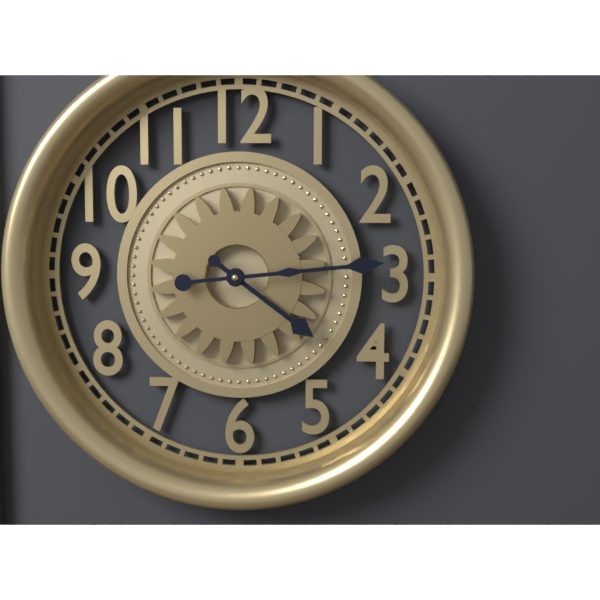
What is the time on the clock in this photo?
4:14
